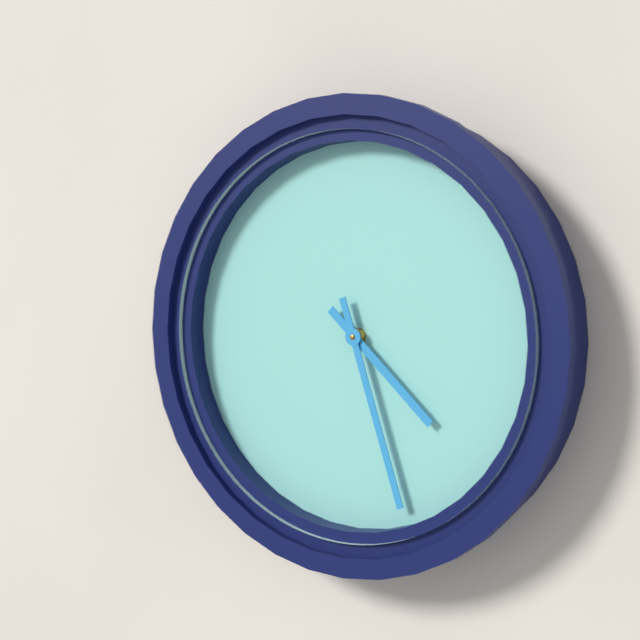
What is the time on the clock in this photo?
4:27
